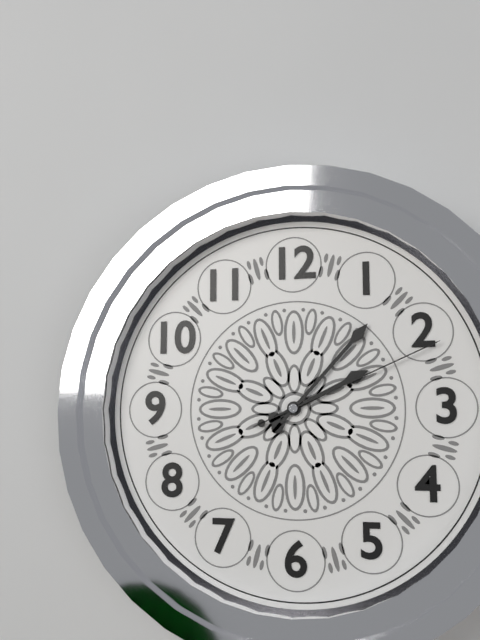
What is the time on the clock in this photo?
2:07:11
